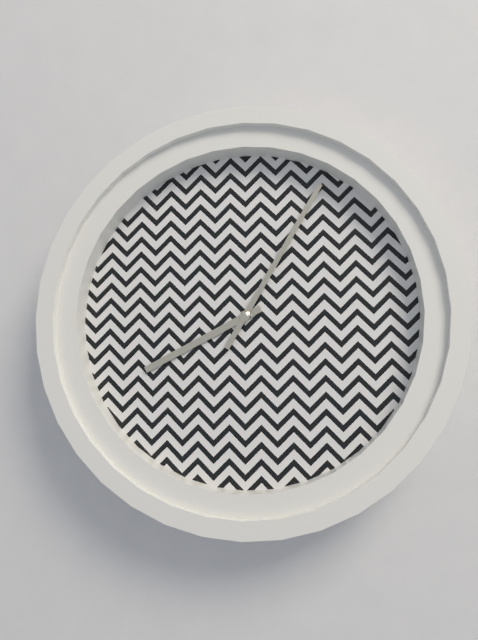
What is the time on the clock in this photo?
8:05
